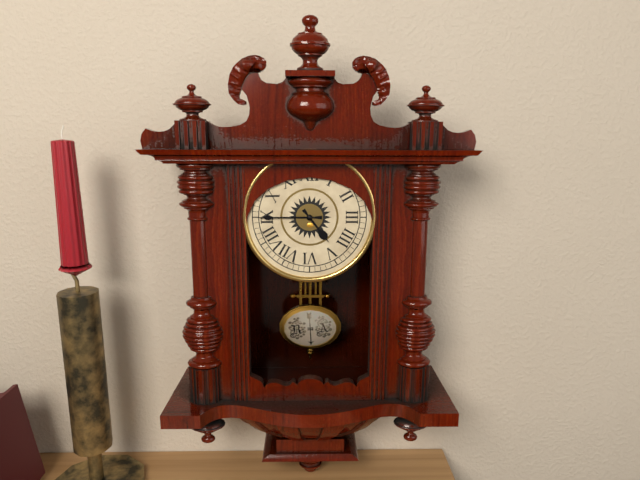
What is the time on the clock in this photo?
4:45
